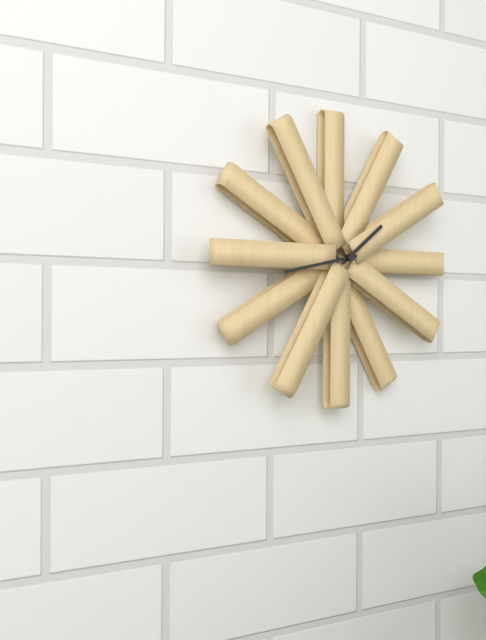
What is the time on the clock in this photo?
1:43
